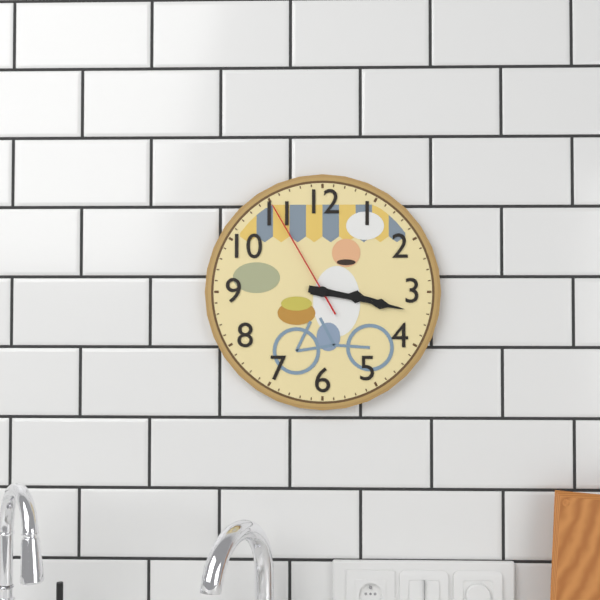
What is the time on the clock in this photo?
3:17:55
